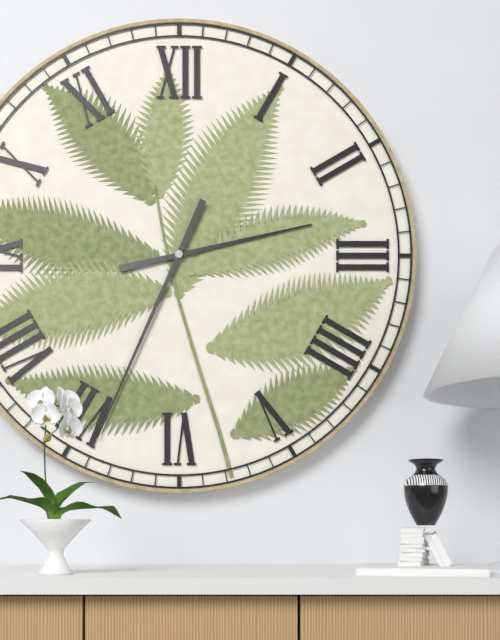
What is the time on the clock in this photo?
2:34
